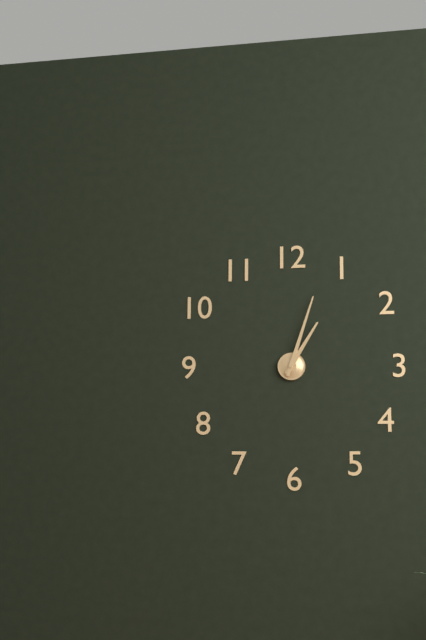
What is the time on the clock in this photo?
1:03
